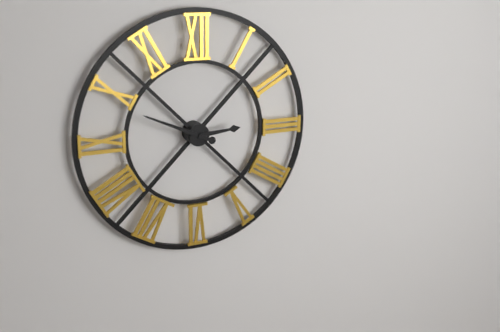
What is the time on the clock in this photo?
2:49
